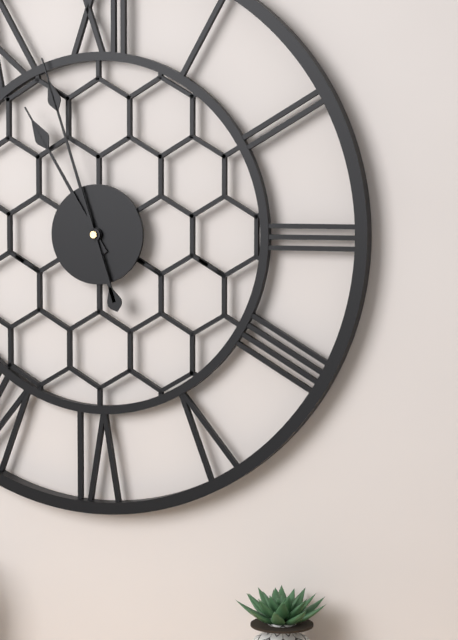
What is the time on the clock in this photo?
10:57
